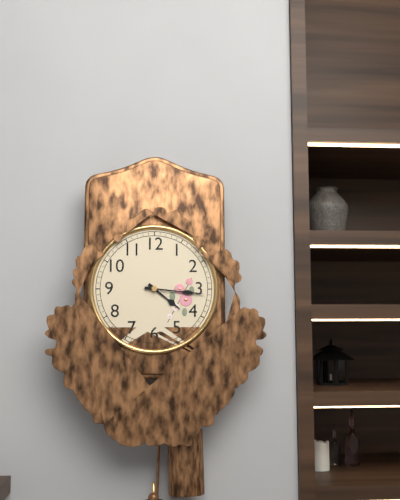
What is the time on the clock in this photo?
4:16
